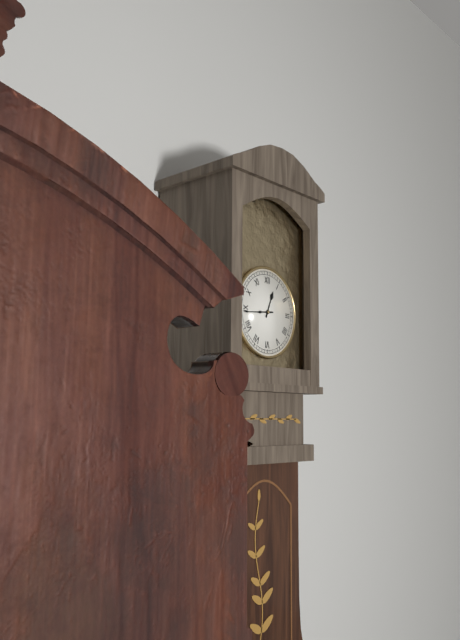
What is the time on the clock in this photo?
12:44
